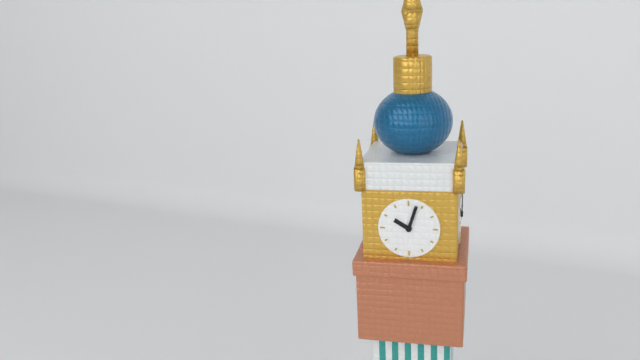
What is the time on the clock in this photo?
10:03
